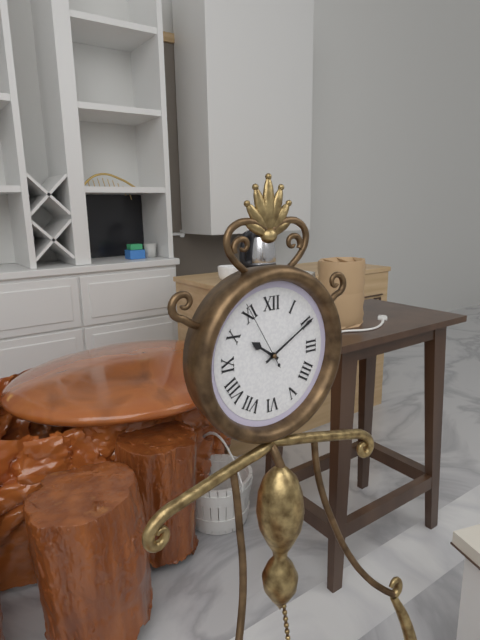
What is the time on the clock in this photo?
10:10:55
